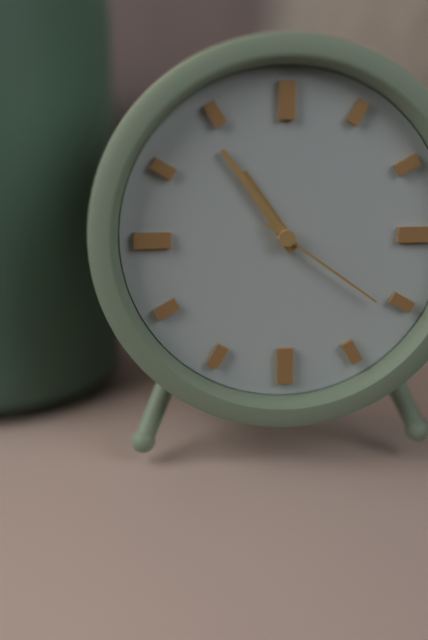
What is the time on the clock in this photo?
10:54:21
